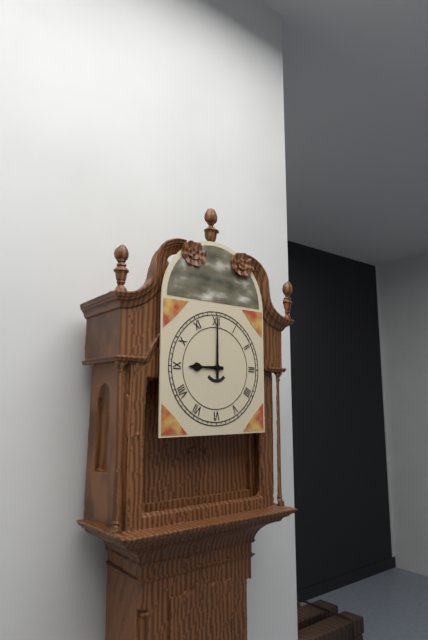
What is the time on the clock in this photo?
9:00
